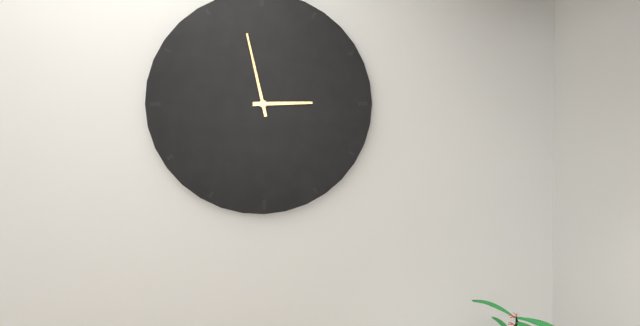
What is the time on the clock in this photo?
2:58
